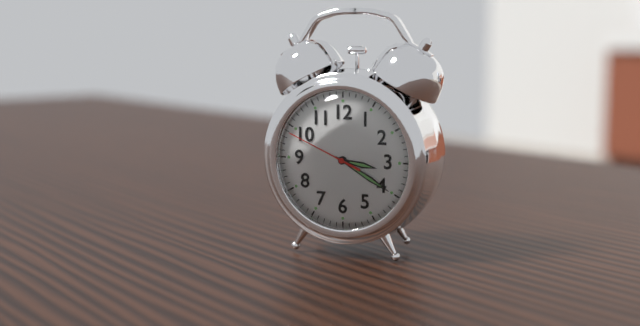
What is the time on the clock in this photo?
3:20:49
